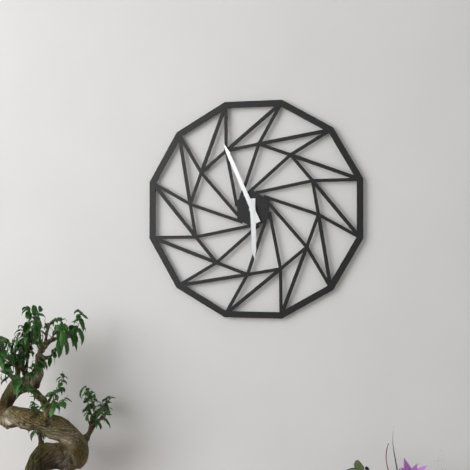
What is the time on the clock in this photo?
5:56
